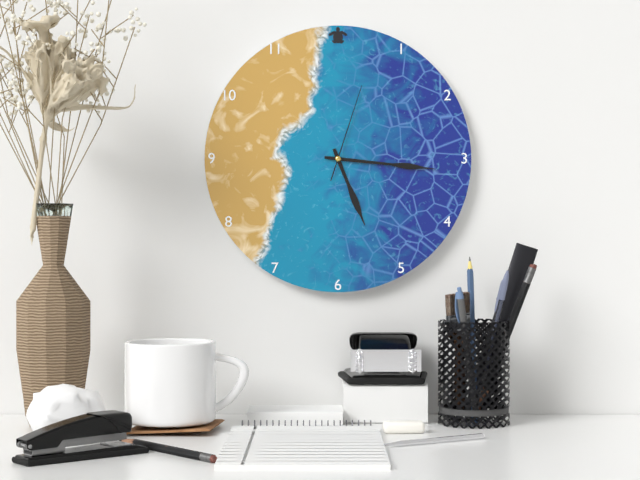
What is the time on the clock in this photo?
5:16:03
